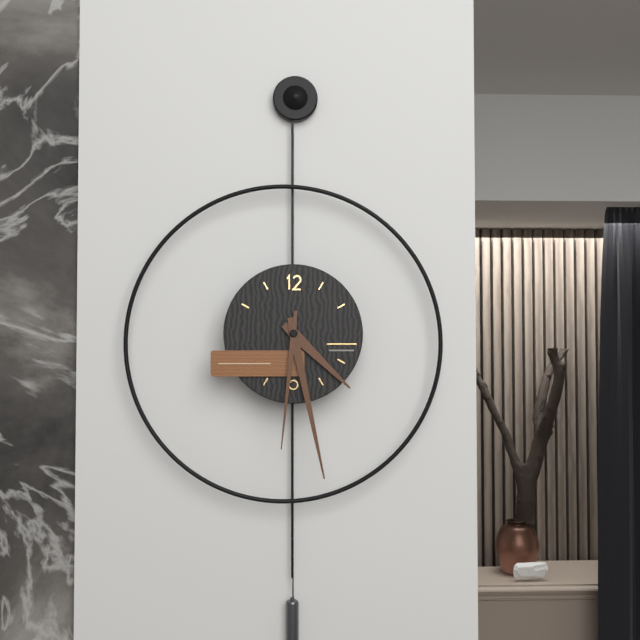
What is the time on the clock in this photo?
4:28:31
